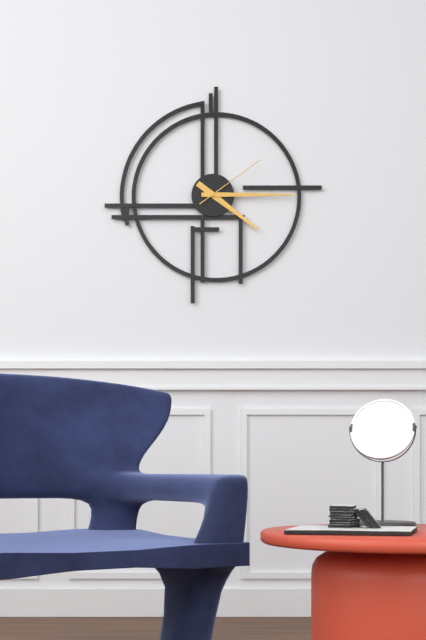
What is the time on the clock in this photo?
4:15:09
